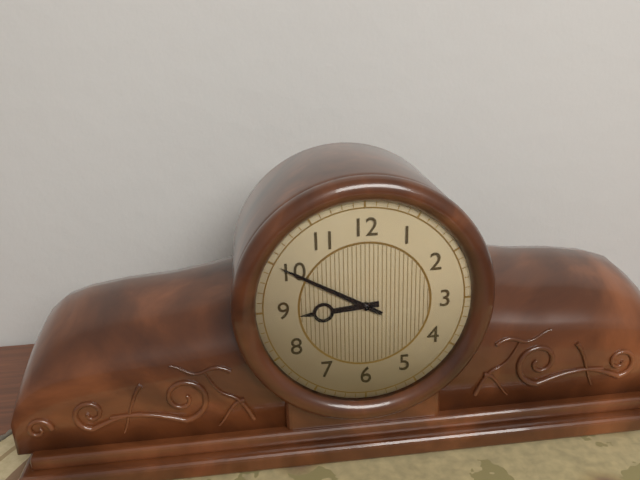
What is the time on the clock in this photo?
8:50
